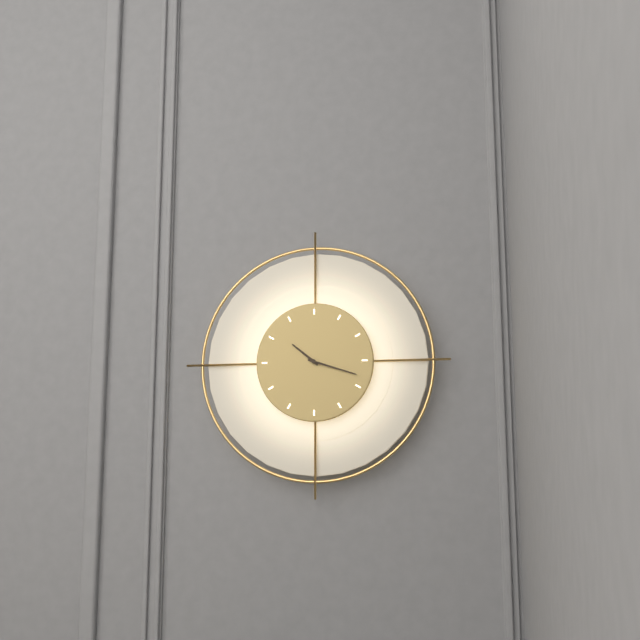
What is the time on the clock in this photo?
10:18
